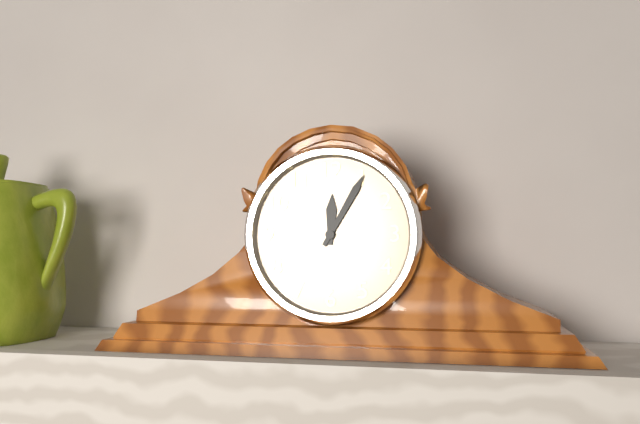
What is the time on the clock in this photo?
12:05
